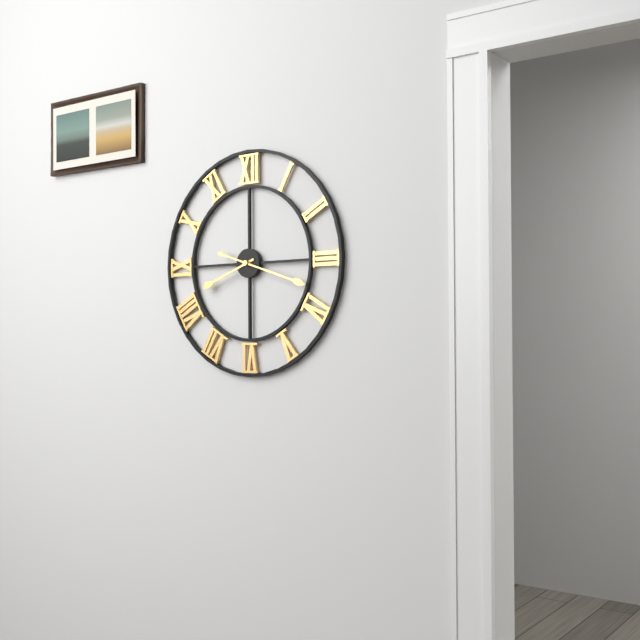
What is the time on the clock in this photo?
8:18
